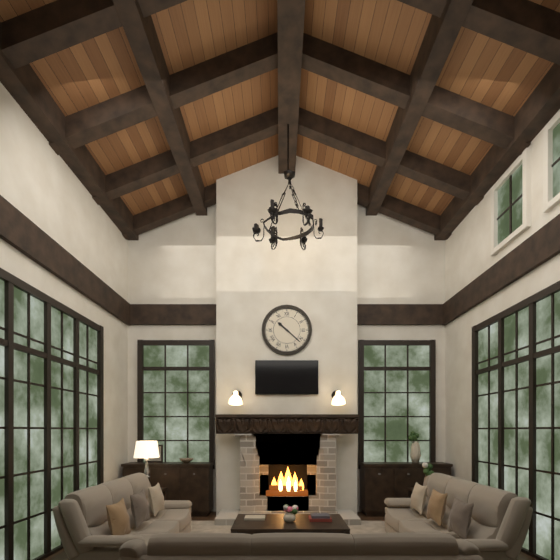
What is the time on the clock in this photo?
10:22
